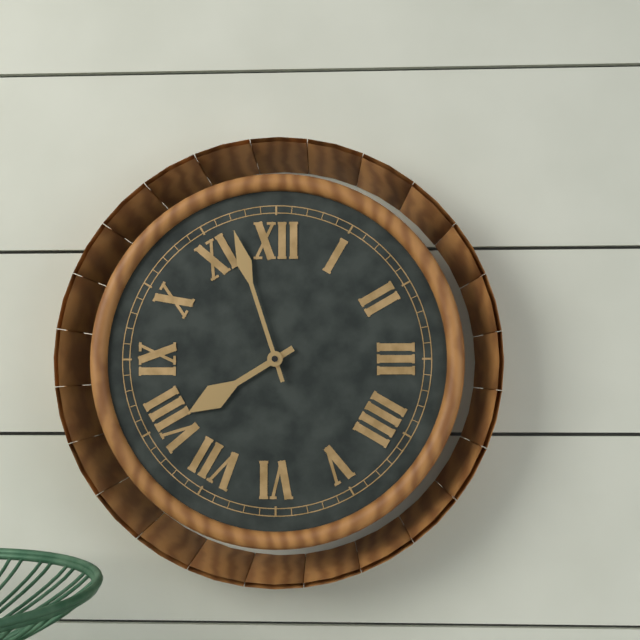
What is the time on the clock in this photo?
7:57
